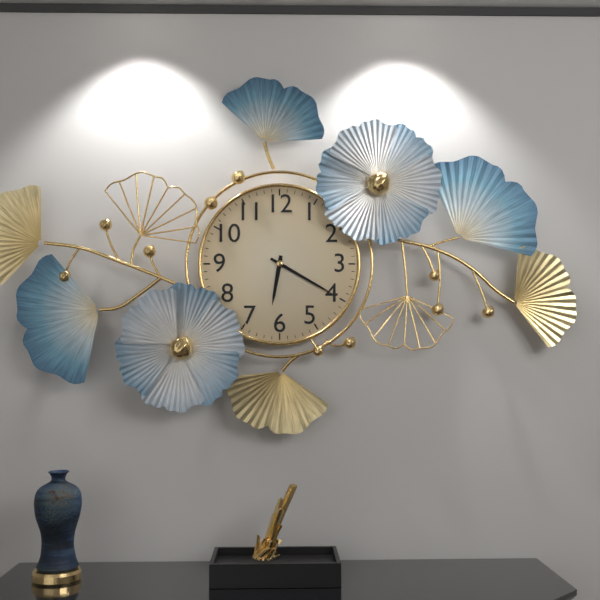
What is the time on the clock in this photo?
6:20
